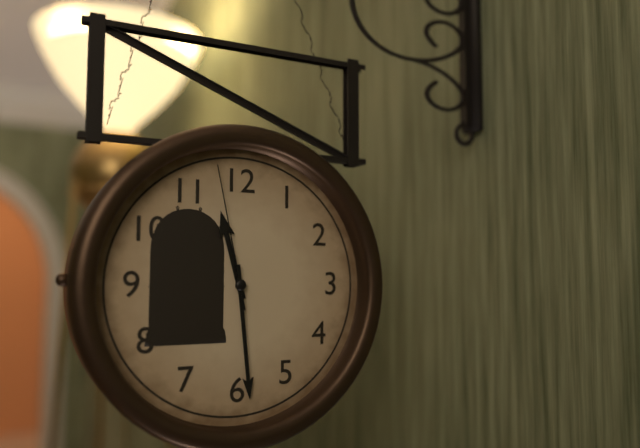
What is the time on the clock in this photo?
11:29:58
